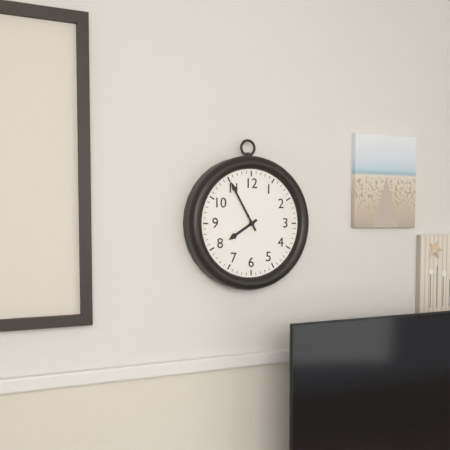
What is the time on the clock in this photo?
7:55
